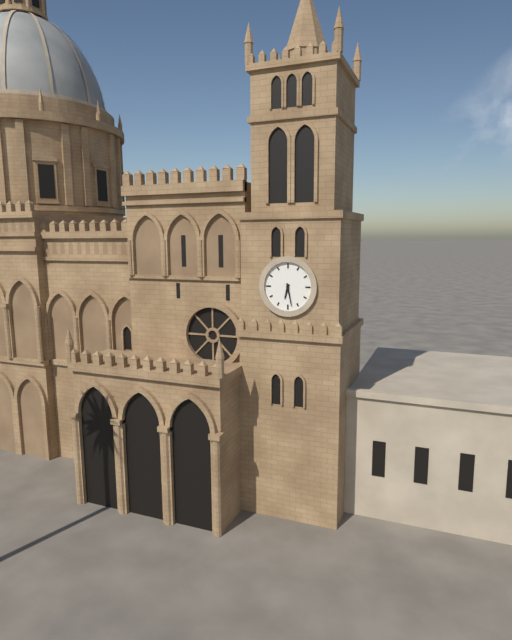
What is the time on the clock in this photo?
6:28
